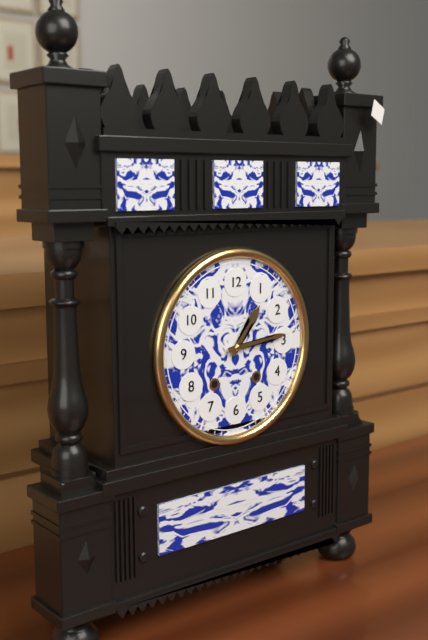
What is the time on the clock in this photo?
1:14
